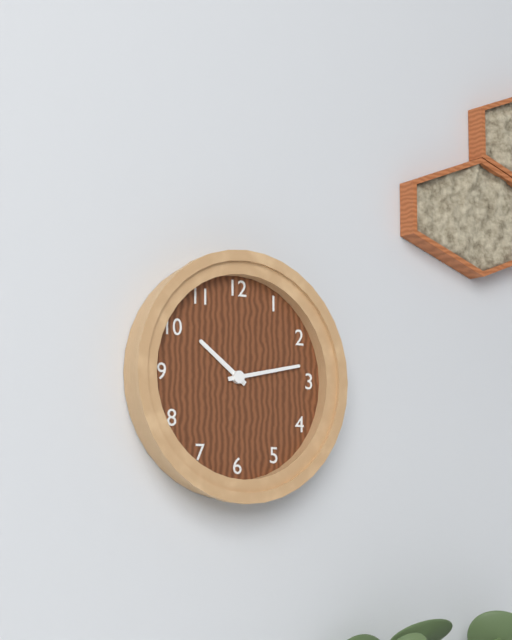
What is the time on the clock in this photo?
10:13
